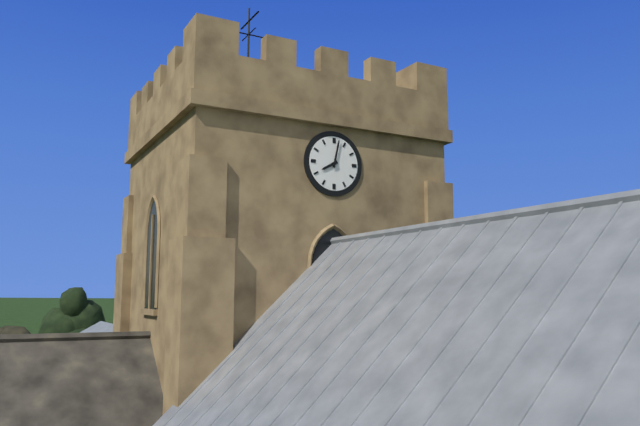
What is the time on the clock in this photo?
8:02
